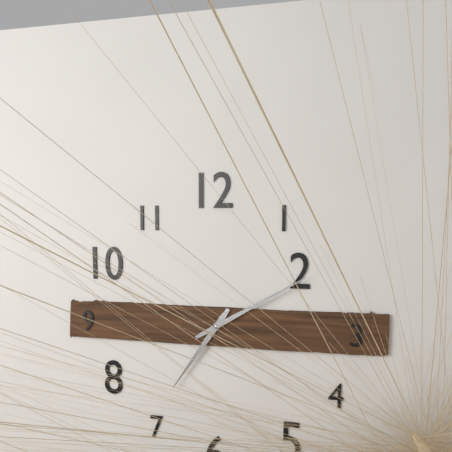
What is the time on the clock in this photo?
7:10
